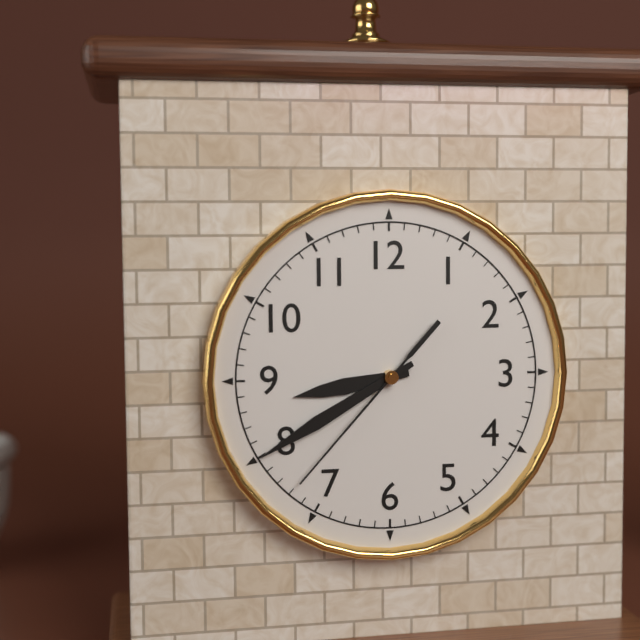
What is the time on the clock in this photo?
8:40:37
